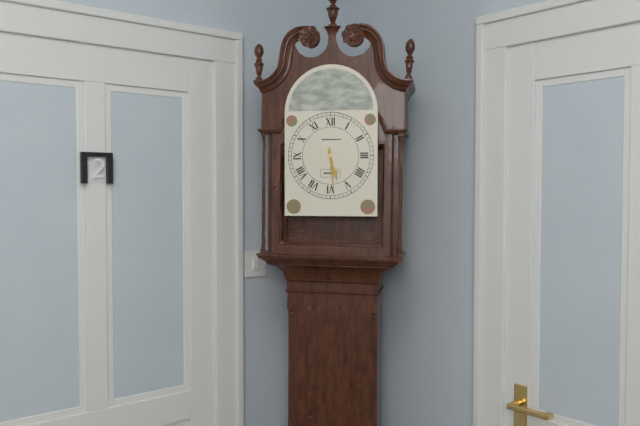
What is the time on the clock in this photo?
5:29
